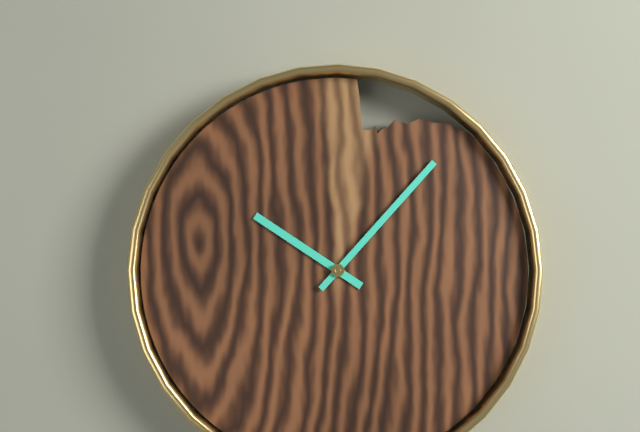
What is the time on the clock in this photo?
10:07
